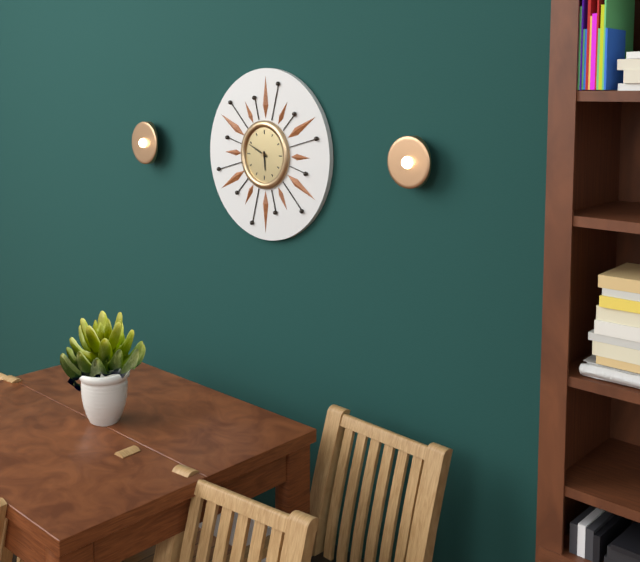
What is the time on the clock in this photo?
5:49
